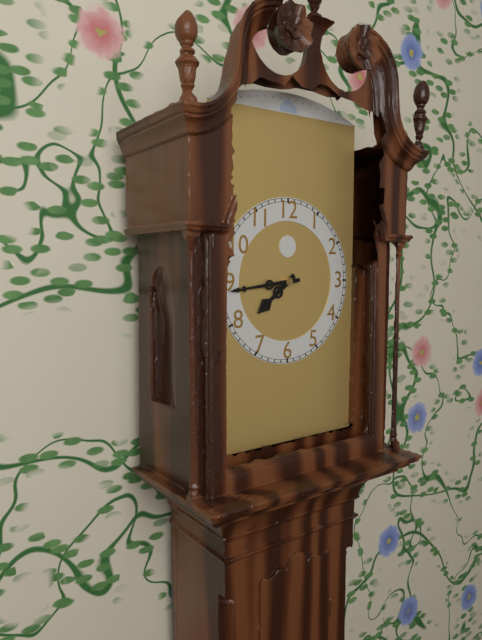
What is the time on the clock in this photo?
7:44
